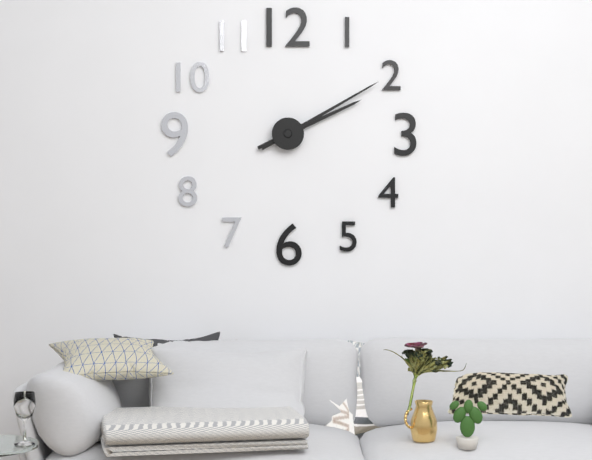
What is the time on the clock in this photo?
2:10
